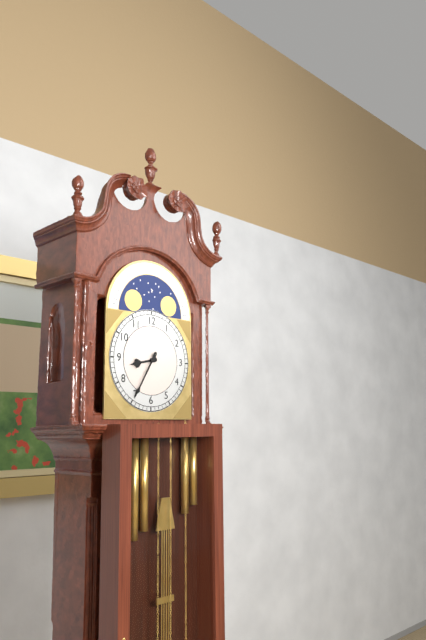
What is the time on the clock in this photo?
8:35
